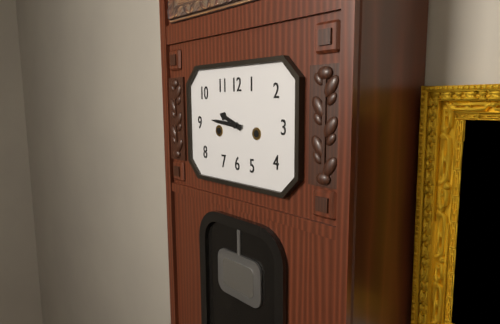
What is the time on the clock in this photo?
9:46
